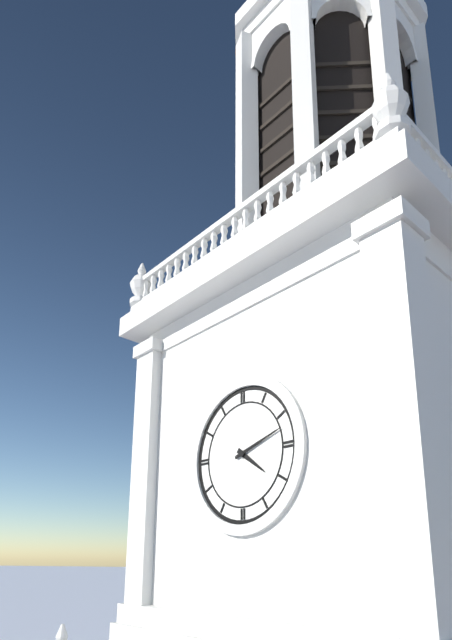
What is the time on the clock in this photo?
4:12
